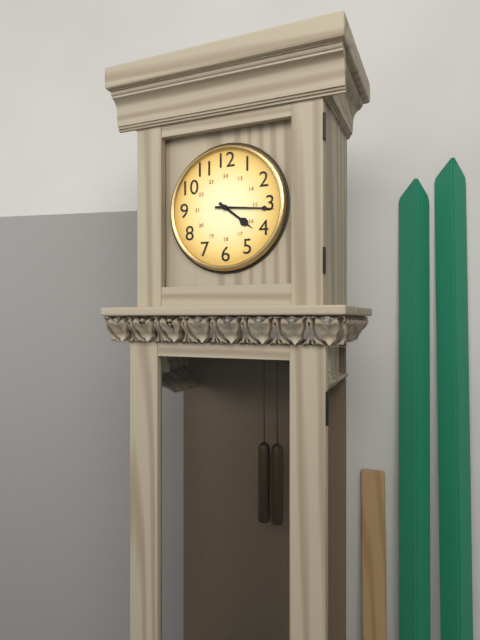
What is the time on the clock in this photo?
4:16
